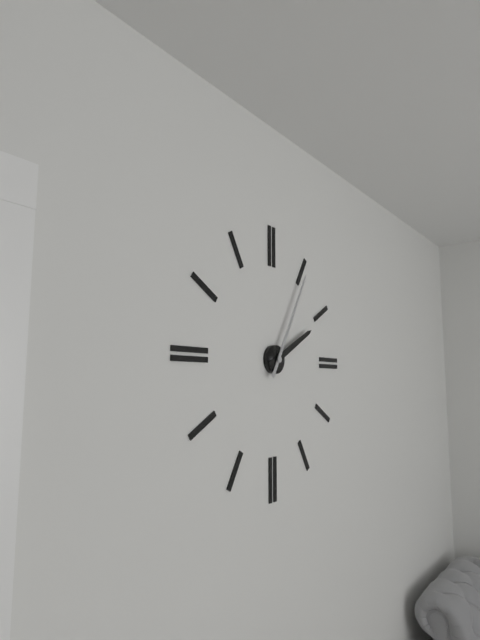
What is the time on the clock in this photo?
2:05
